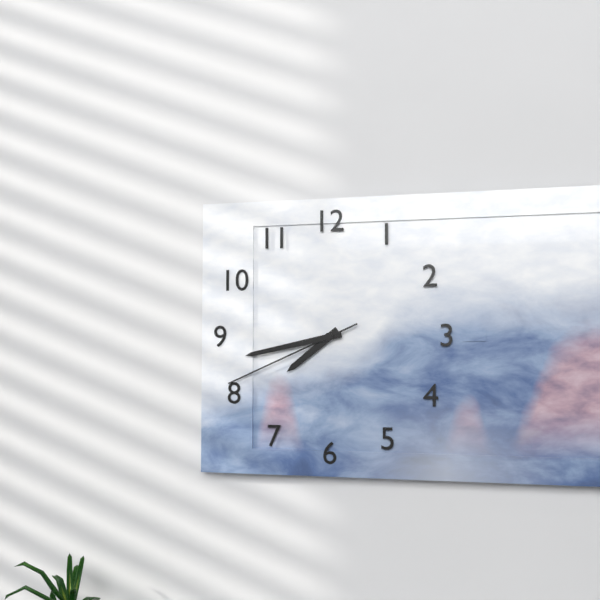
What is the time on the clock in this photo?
7:43:41
